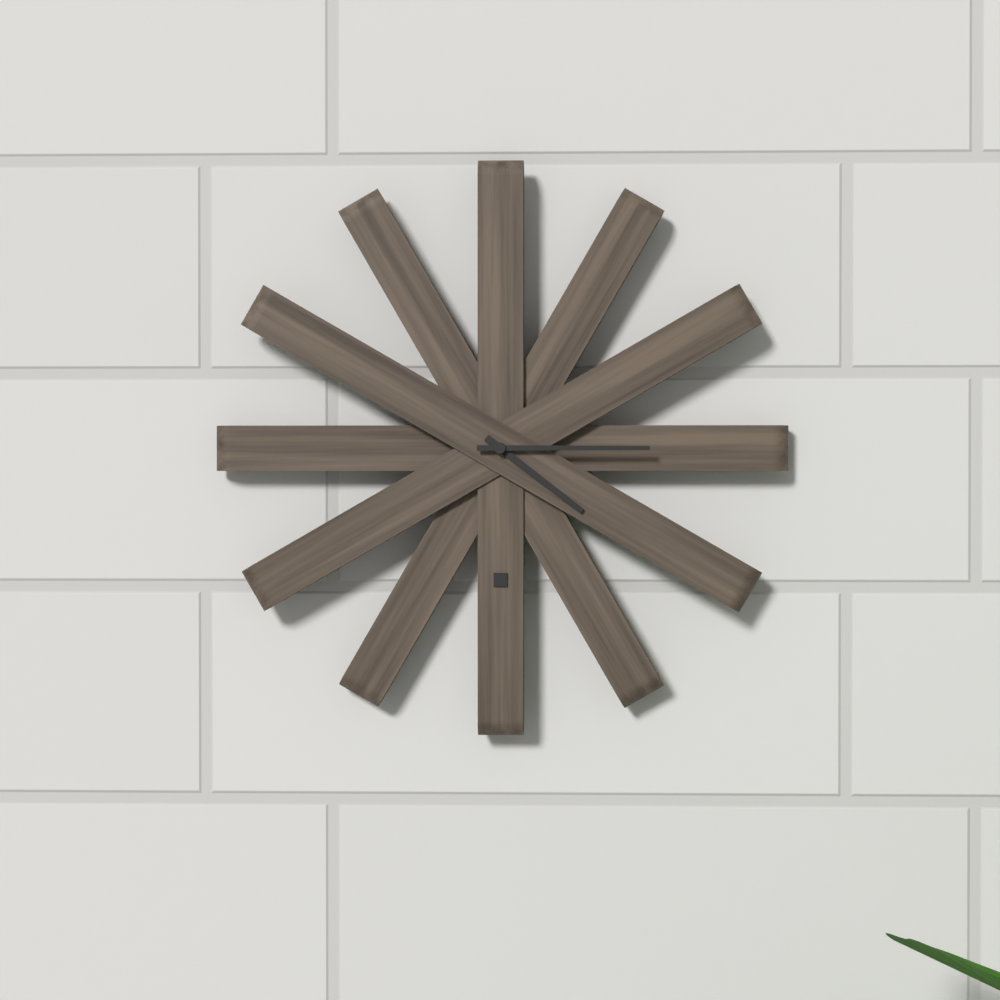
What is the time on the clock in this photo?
4:15
